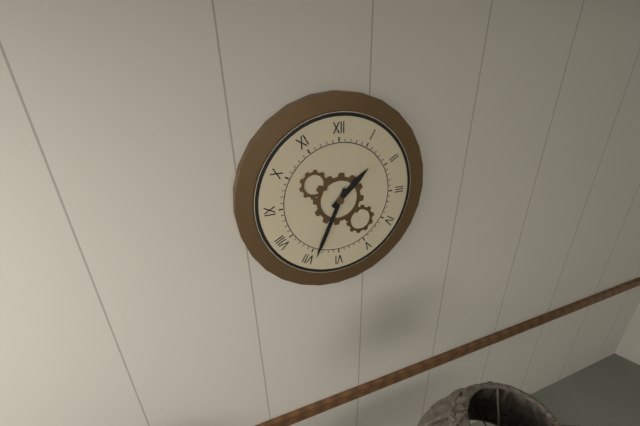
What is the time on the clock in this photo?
1:34
